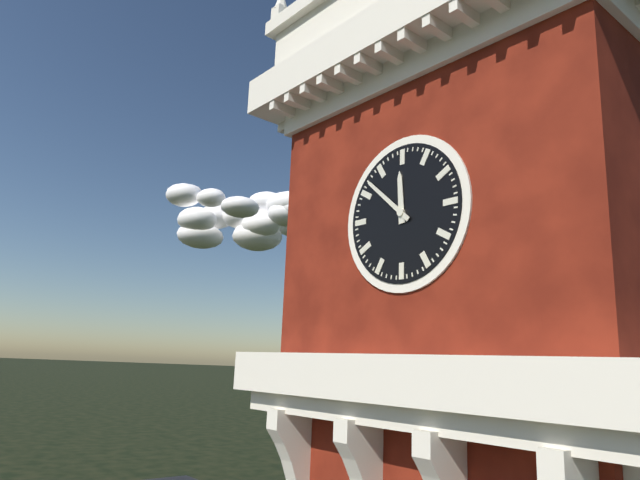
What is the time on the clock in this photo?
11:52
